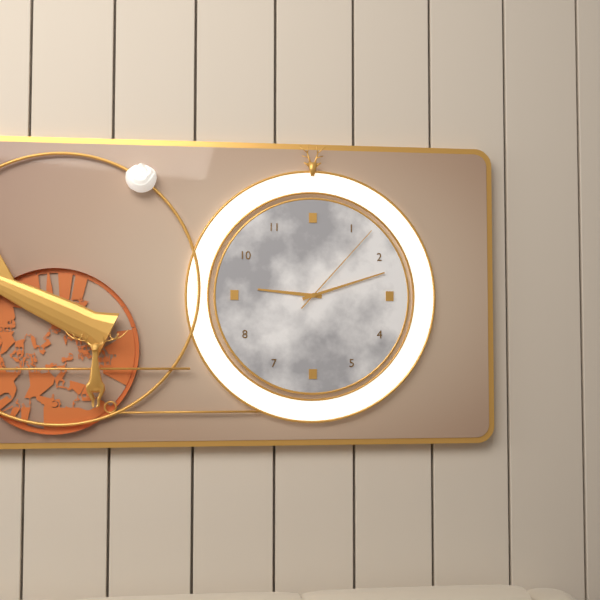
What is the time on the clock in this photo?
9:12:07
